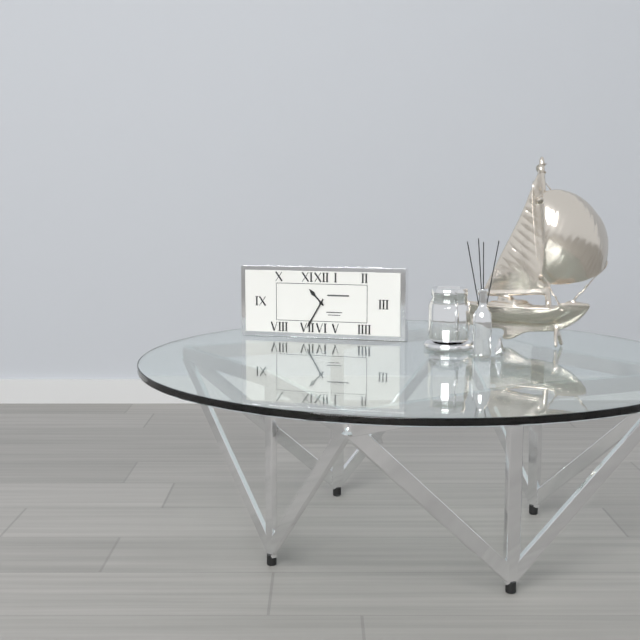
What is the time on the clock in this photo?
10:35
